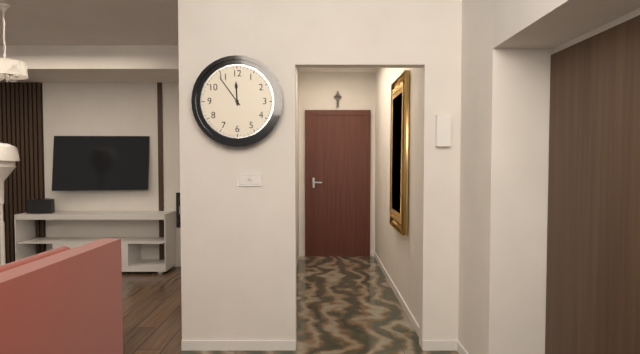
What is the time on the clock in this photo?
11:54
